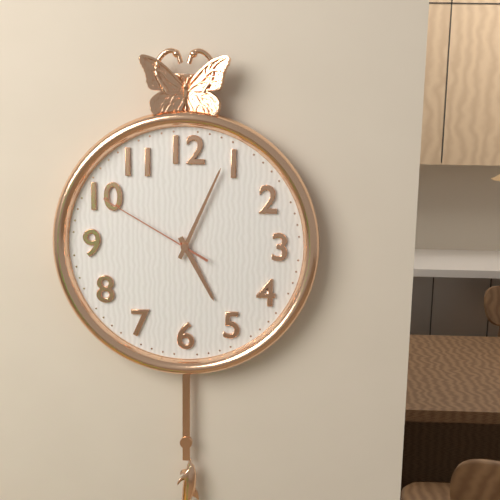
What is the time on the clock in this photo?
5:04:50
